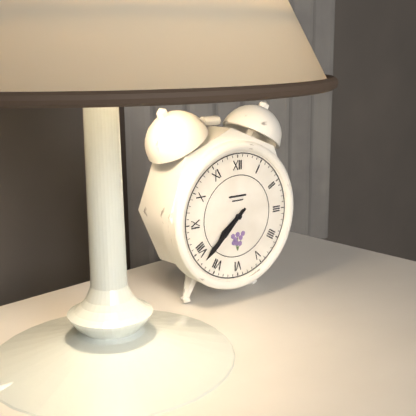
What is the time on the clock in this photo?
7:38
